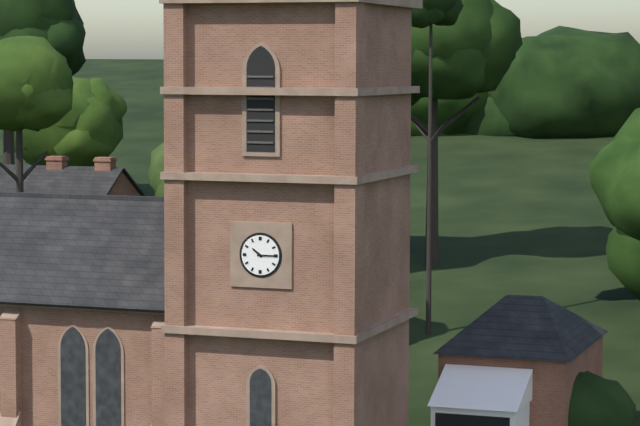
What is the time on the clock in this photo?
10:15
